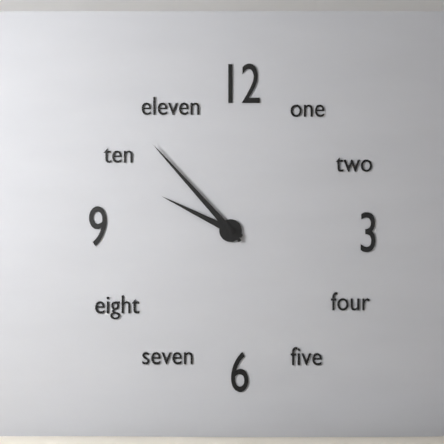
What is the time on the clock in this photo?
9:53
